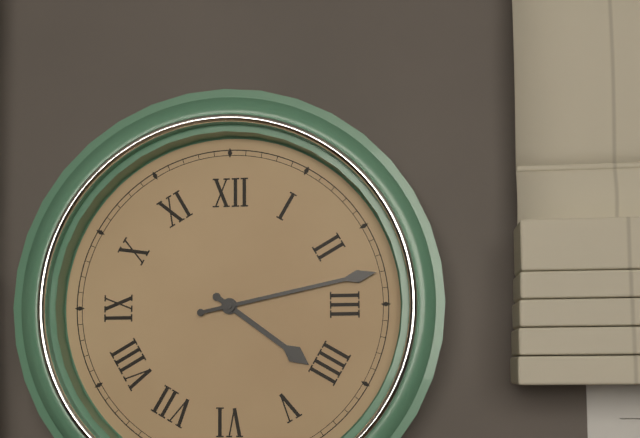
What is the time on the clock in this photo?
4:13
